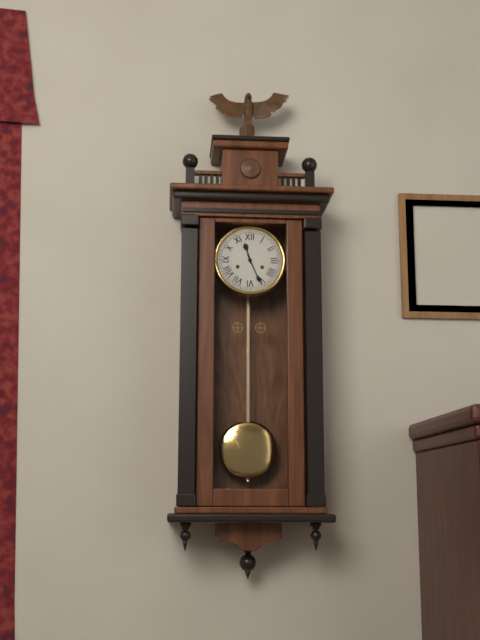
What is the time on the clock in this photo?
11:26
